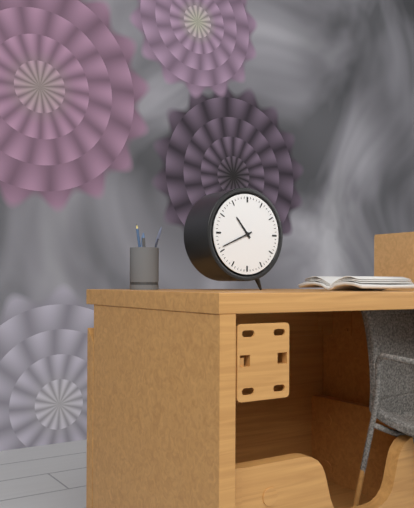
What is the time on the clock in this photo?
10:41
